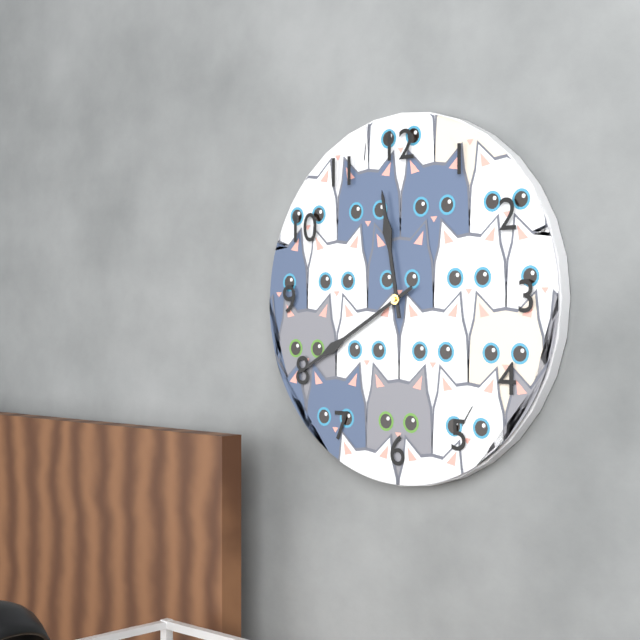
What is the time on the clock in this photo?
11:40
